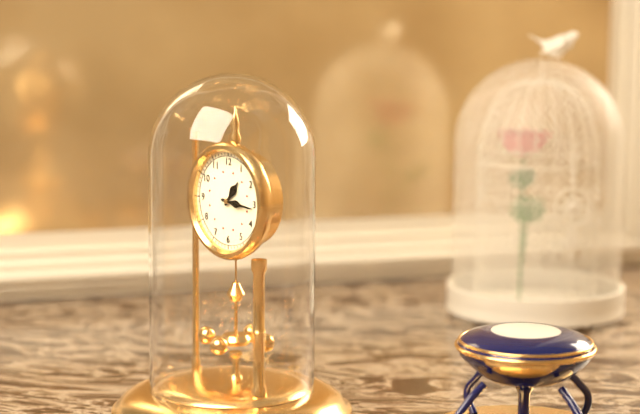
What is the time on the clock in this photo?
1:16
